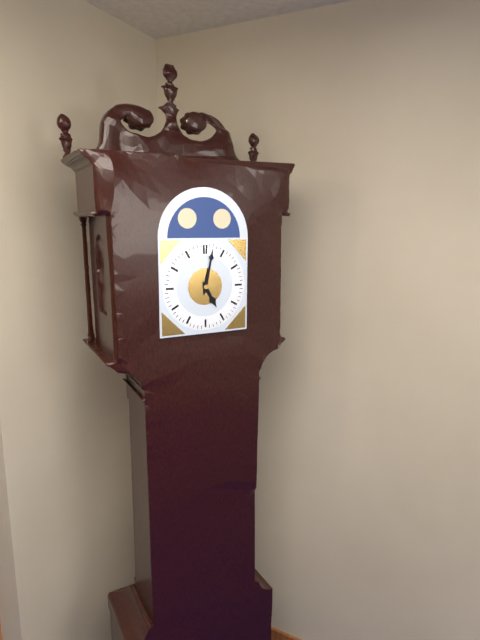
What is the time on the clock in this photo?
5:02
